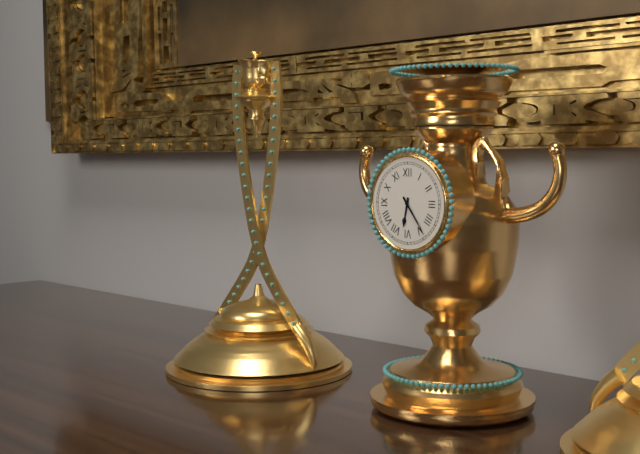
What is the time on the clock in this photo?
6:24
